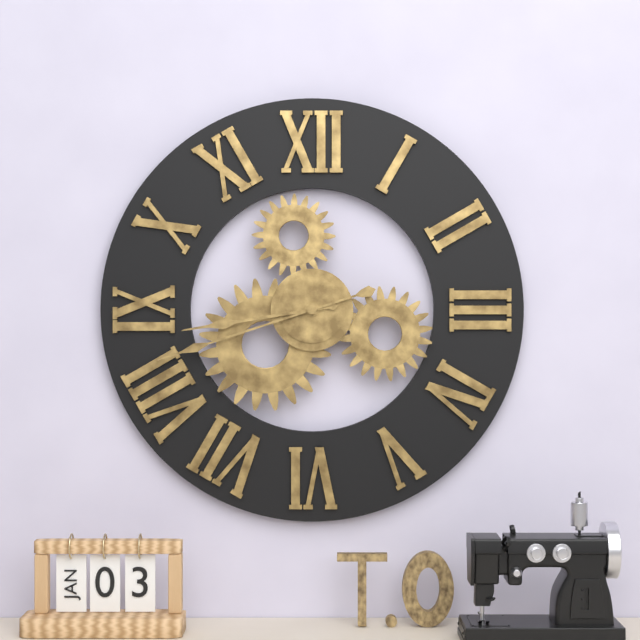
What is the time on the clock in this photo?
8:42
